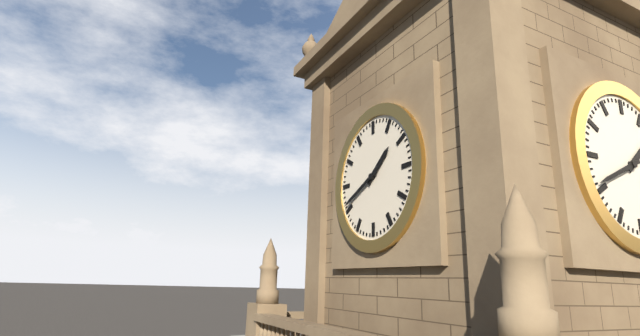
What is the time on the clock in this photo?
1:41
